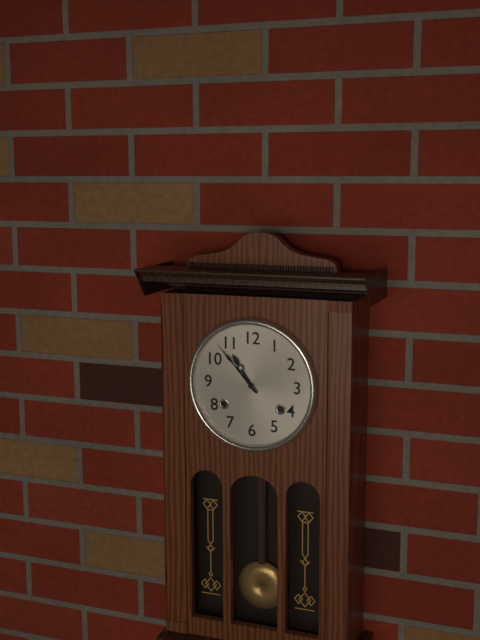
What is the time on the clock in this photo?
10:53
